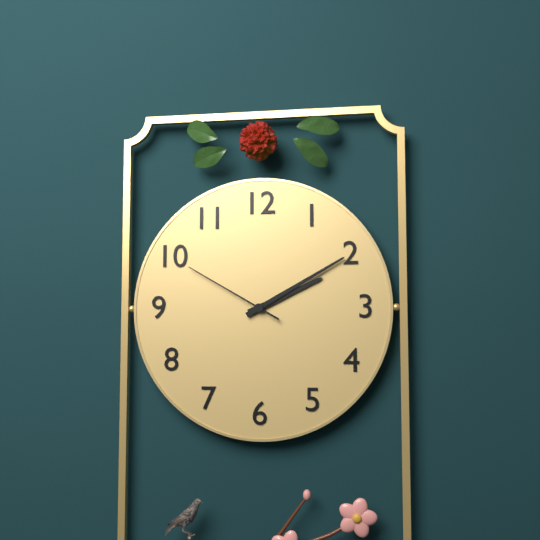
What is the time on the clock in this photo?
2:10:50
